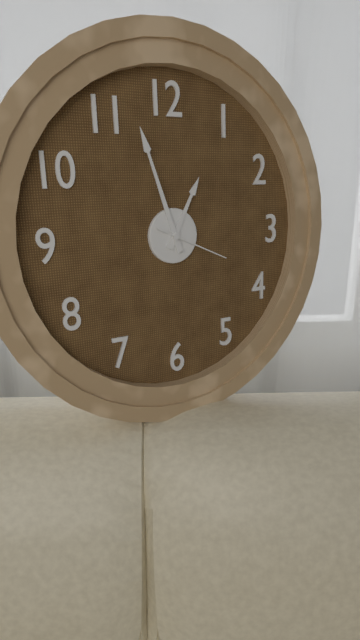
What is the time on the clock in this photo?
12:57:19
